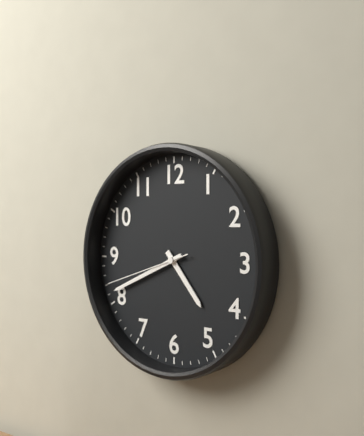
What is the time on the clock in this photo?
4:41:42
